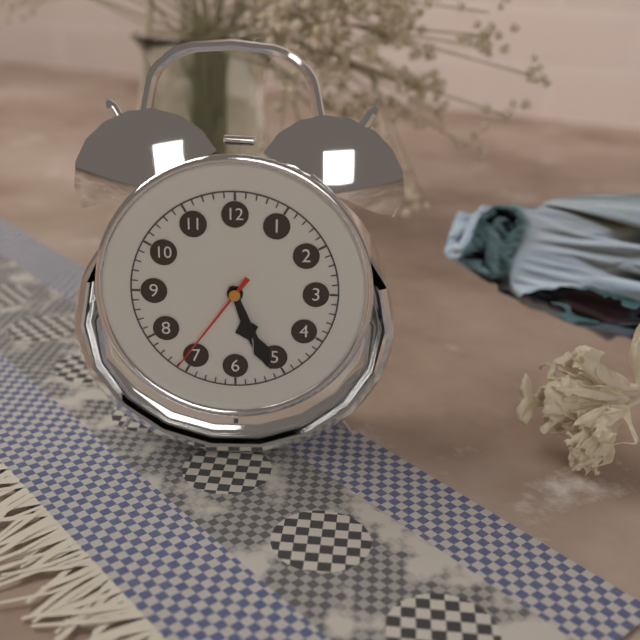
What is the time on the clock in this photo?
5:26:36
